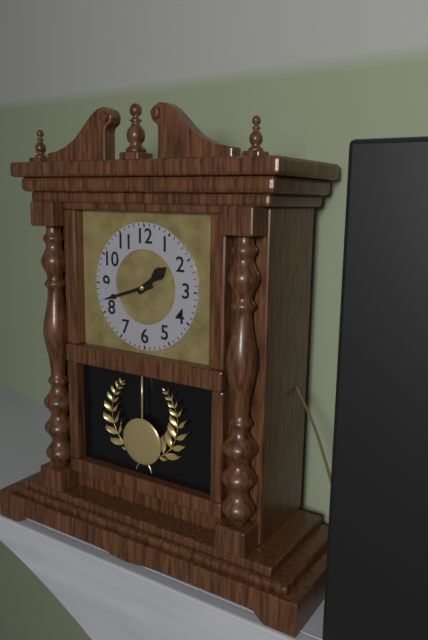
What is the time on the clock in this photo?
1:42
